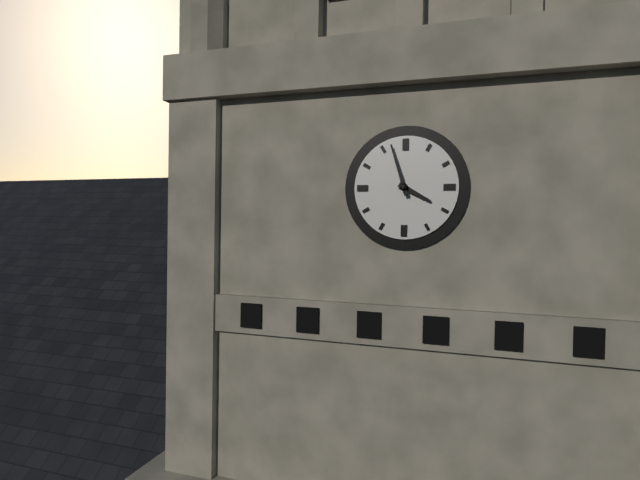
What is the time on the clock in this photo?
3:57
